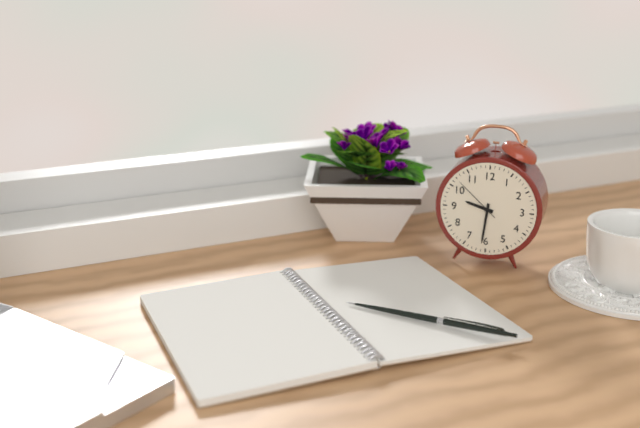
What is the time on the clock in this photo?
9:31:52
